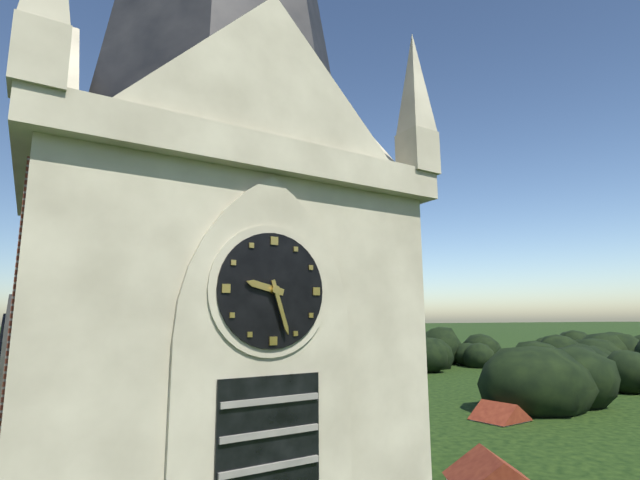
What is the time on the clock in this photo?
9:27
